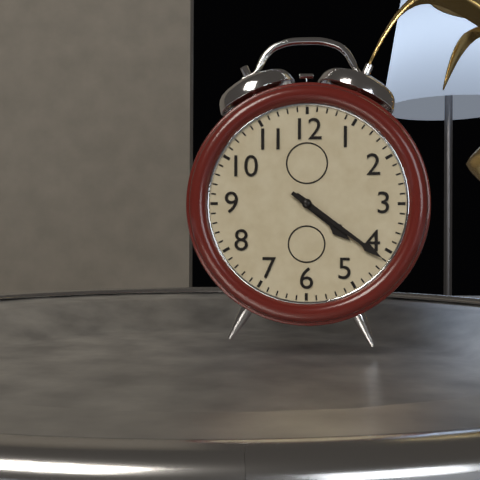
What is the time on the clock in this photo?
4:21
